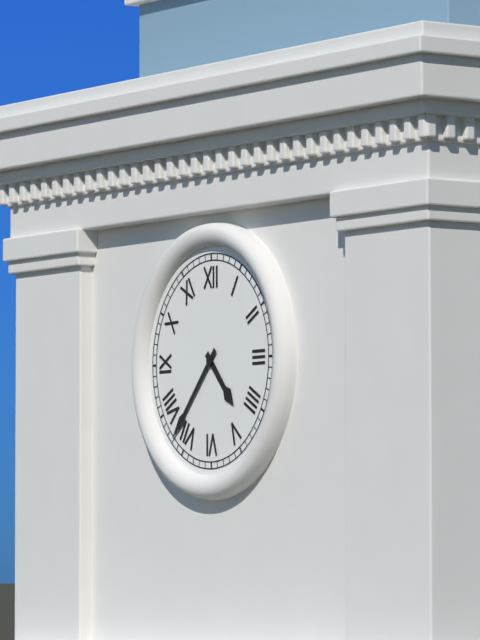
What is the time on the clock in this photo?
4:37
